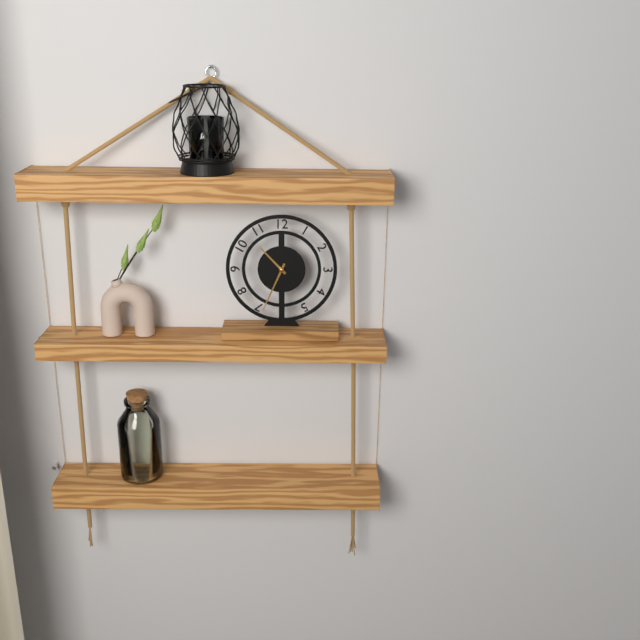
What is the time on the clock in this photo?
10:34
